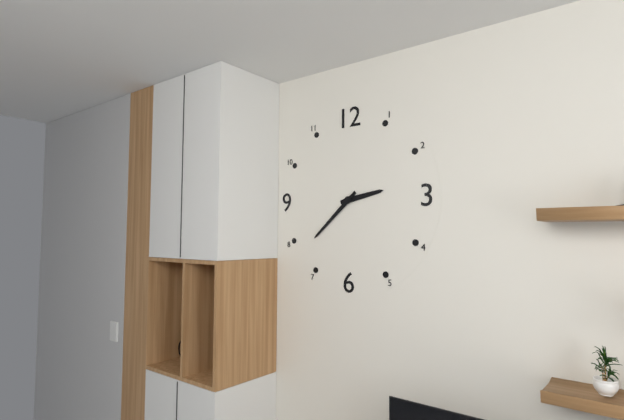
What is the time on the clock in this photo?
2:38
